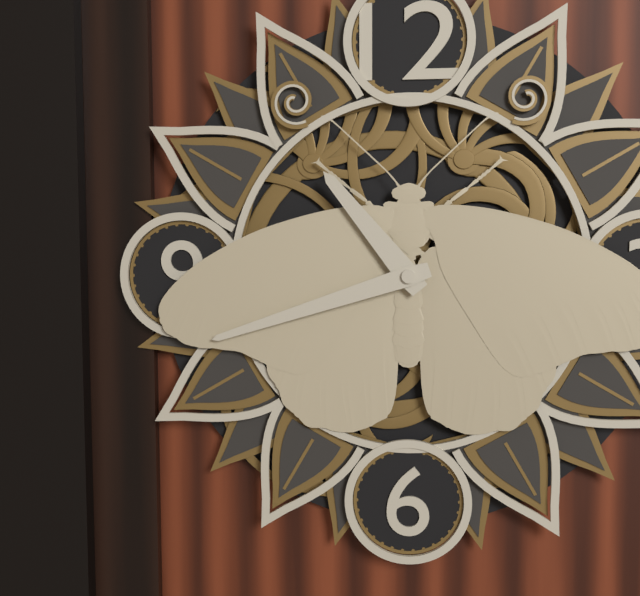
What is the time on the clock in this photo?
10:42
